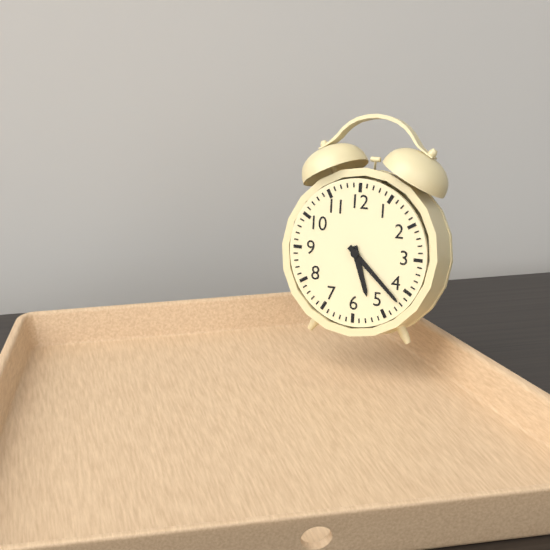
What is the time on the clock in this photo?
5:22
